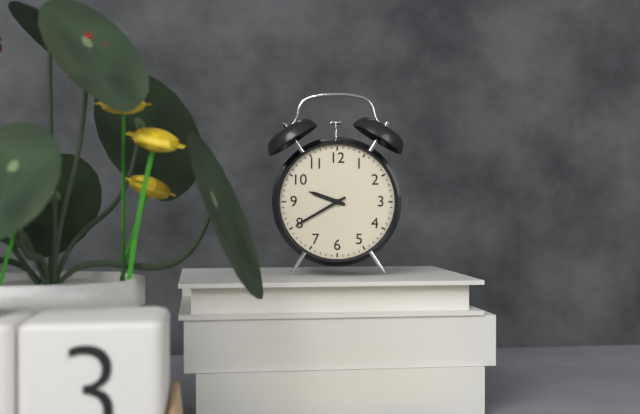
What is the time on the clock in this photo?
9:40
